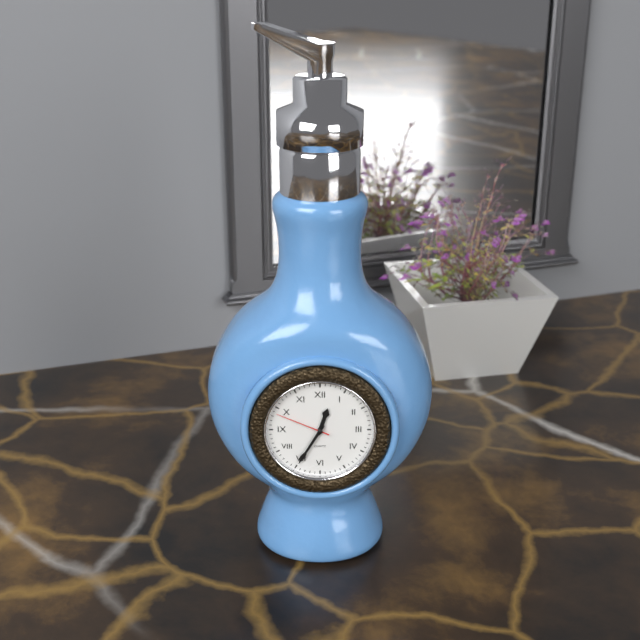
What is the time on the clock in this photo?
12:35:49
